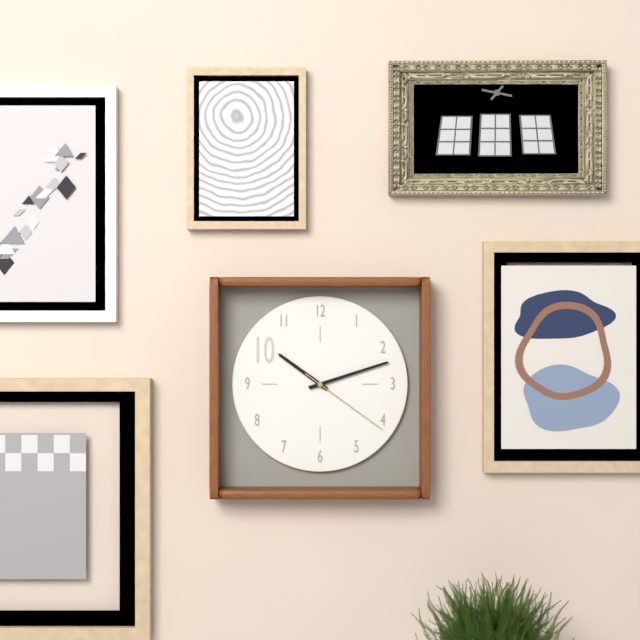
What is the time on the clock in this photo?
10:12:21
